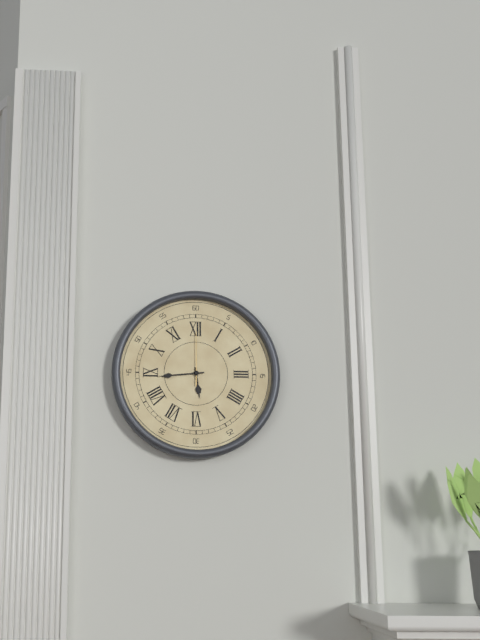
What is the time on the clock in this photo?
5:44:00
